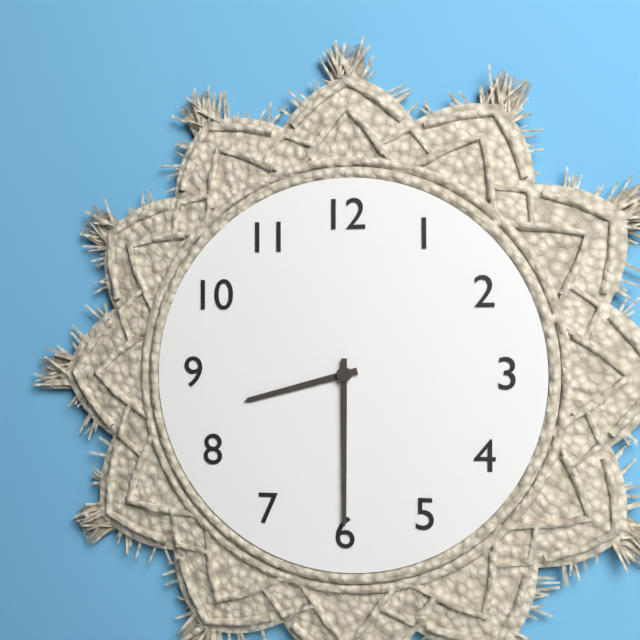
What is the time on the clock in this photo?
8:30
